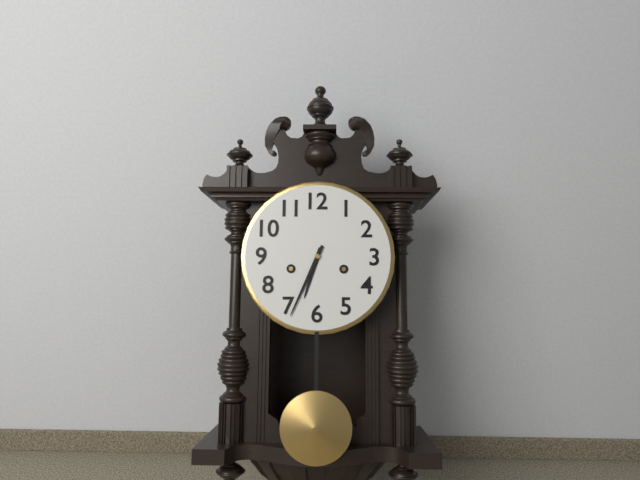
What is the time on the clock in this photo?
6:34
